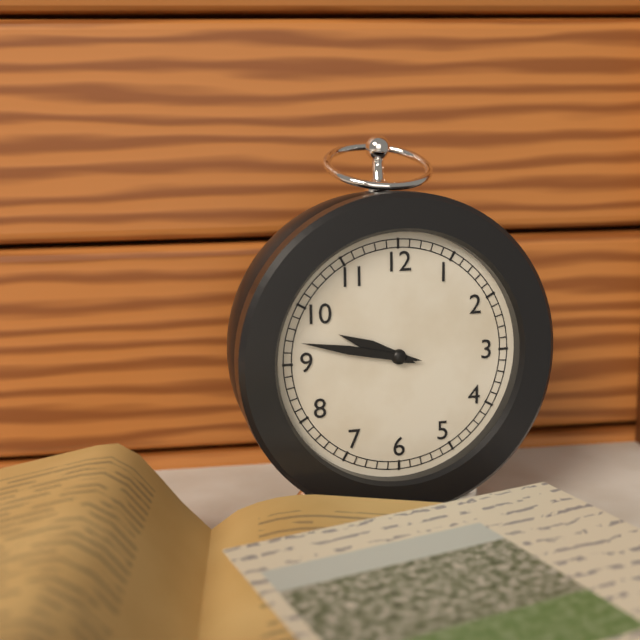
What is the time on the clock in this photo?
9:47
